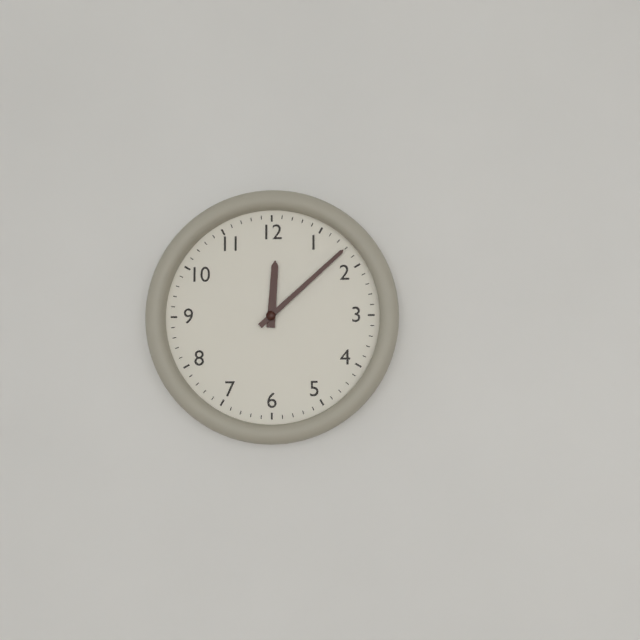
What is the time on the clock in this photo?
12:08
